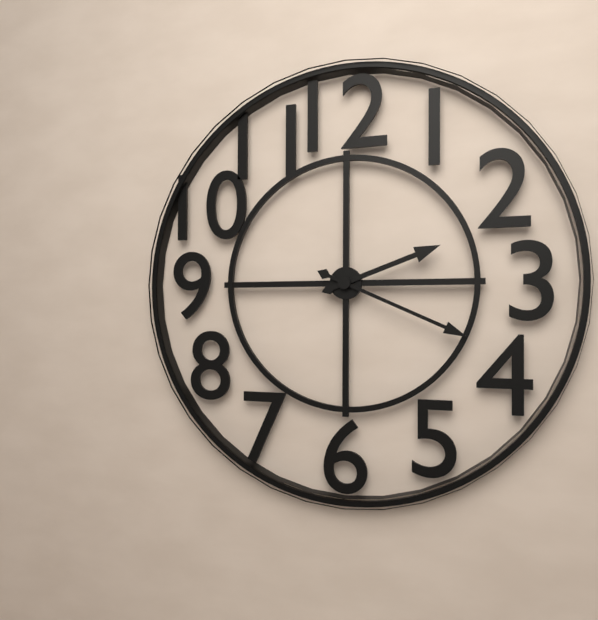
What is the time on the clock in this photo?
2:19
